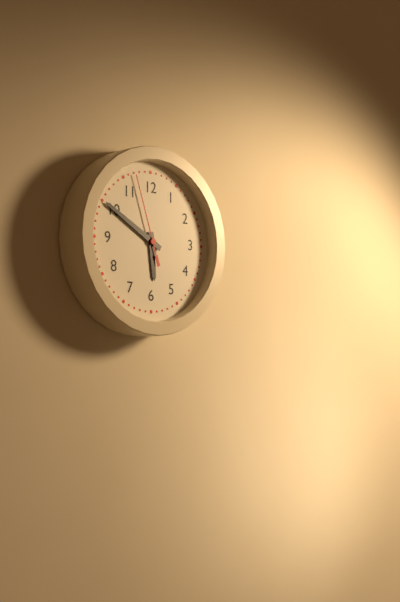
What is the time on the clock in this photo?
5:50:57
